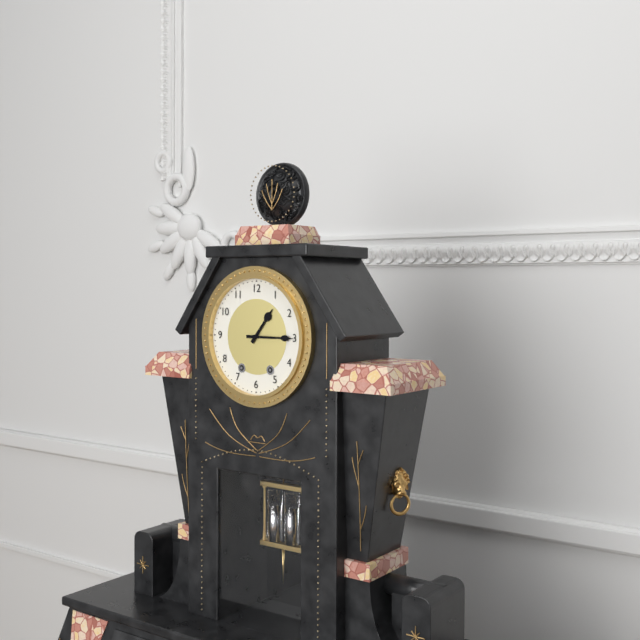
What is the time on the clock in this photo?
1:15
